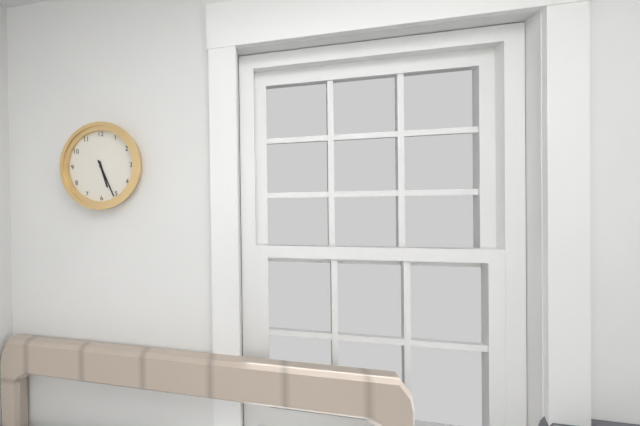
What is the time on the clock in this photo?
5:26
